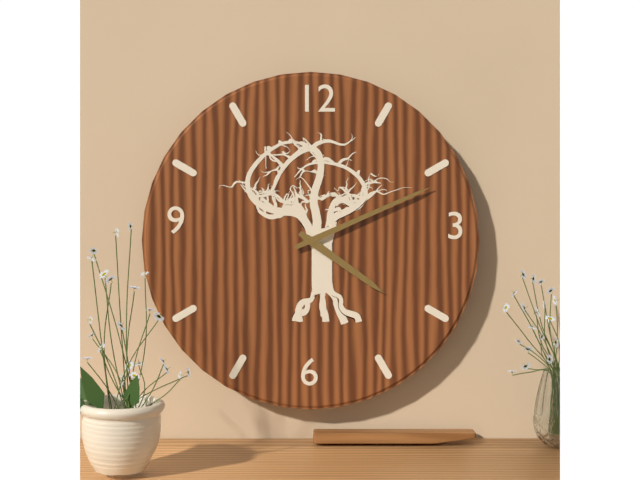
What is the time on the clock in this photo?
4:11
